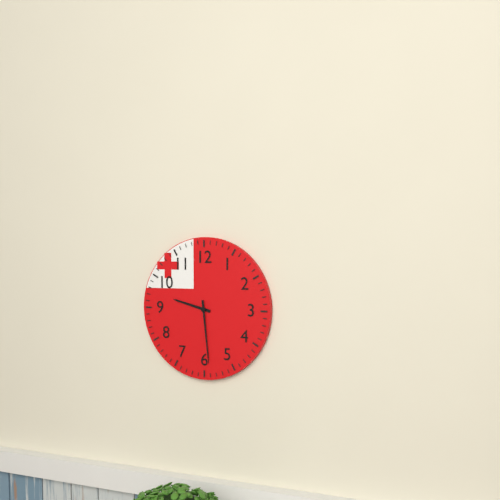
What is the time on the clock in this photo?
9:29
